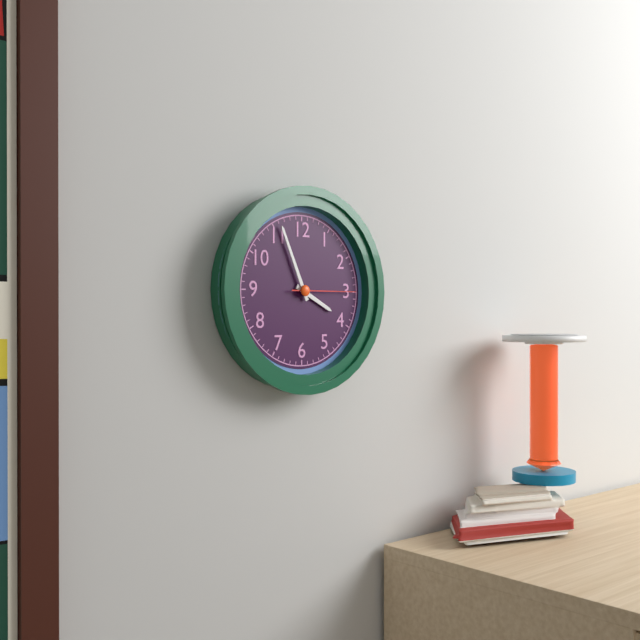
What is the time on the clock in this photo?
3:56:15
